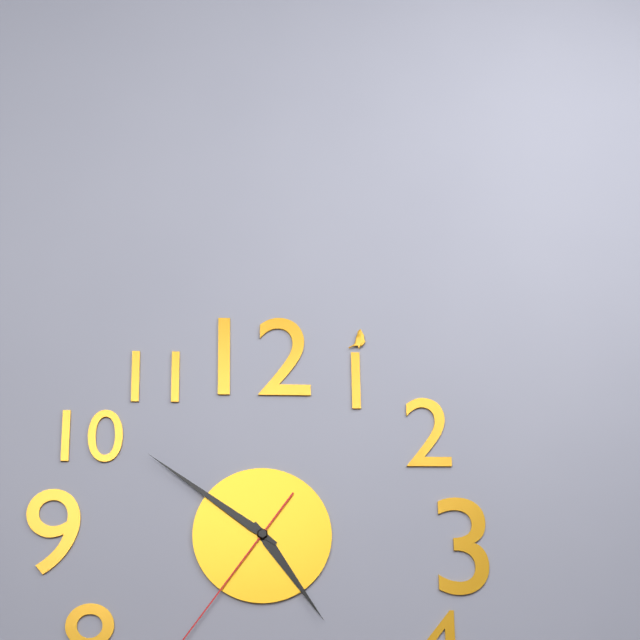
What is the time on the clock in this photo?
4:51
